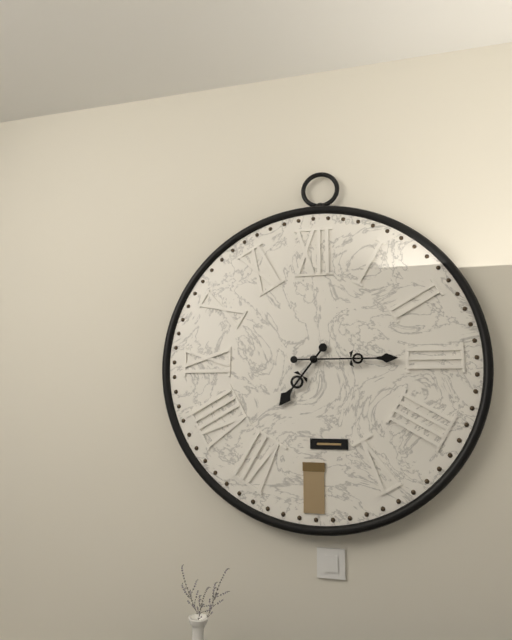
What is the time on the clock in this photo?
7:15
